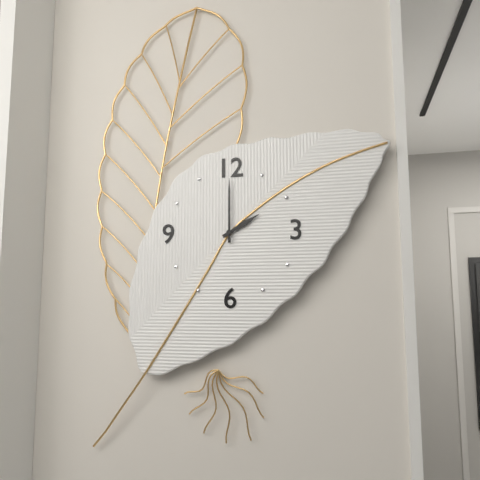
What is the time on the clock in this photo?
2:00
